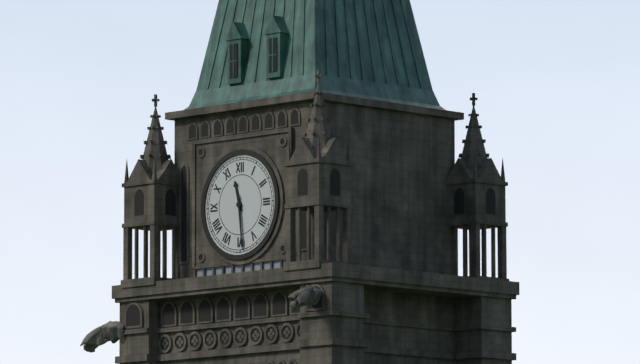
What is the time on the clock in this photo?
11:29
